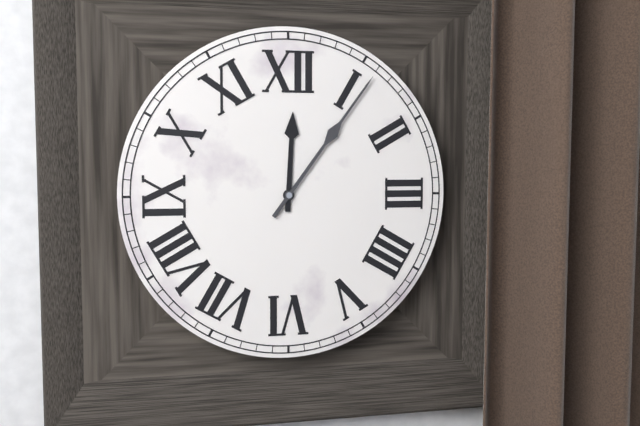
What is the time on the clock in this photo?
12:06
